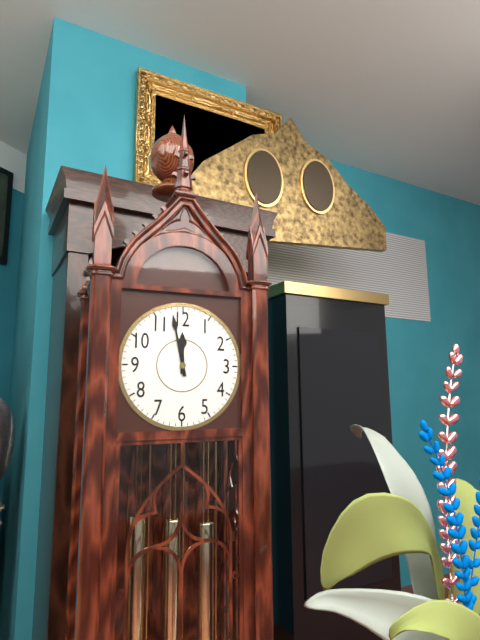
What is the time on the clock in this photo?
11:58
